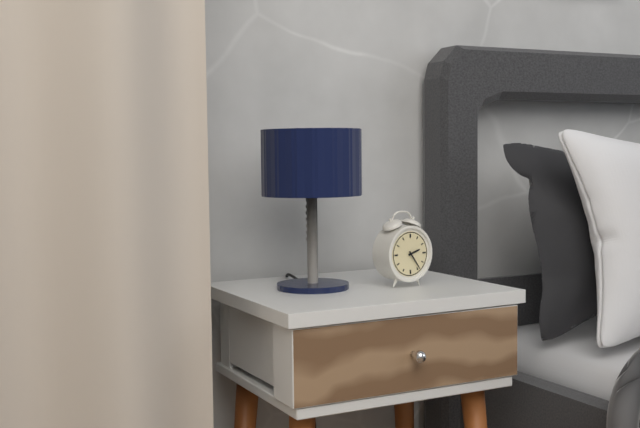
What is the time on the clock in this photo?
2:24
